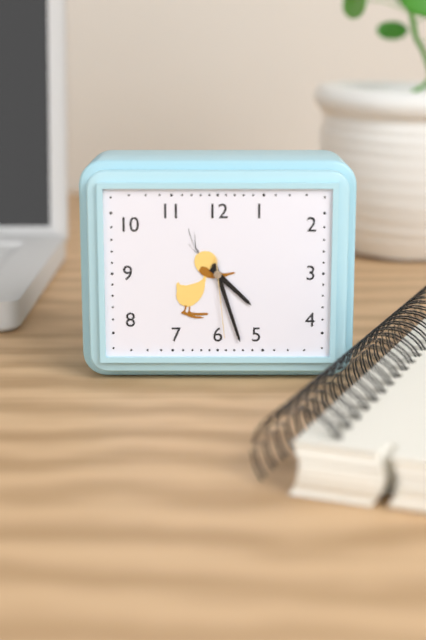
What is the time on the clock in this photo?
4:27:29
